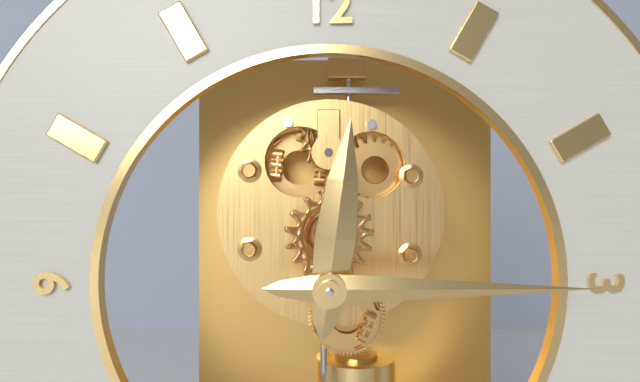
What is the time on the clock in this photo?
12:15
